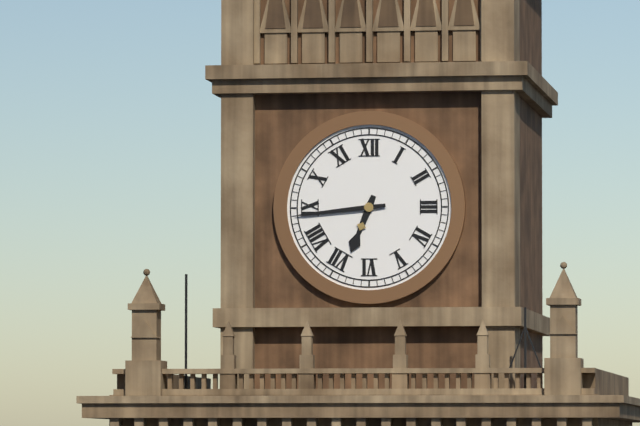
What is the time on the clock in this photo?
6:44
